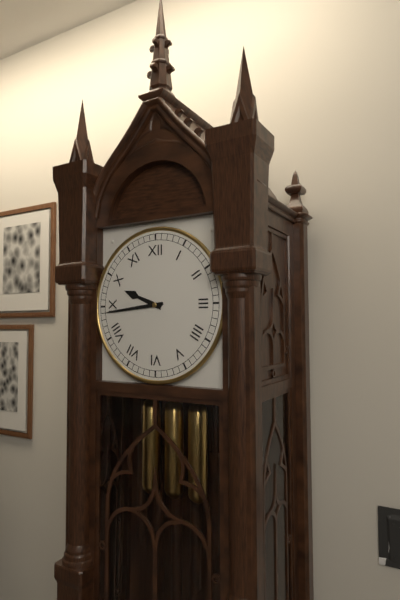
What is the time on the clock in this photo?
9:44
